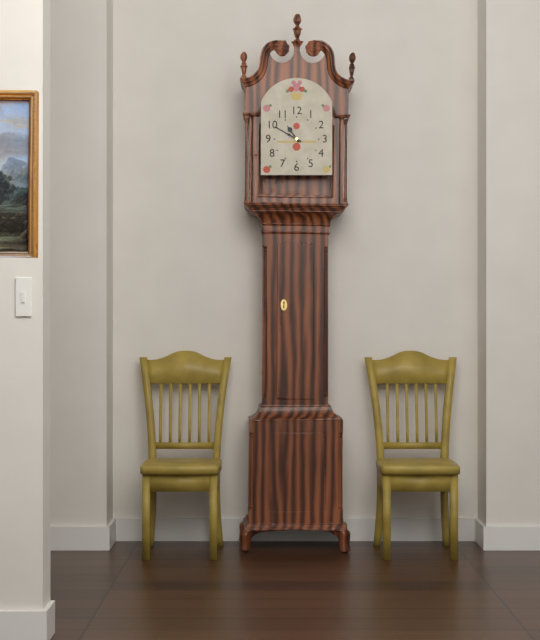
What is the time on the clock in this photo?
10:50
